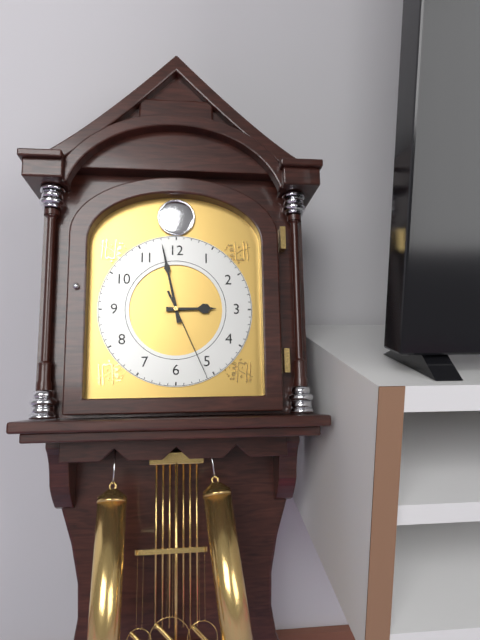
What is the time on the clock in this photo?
2:58:26
